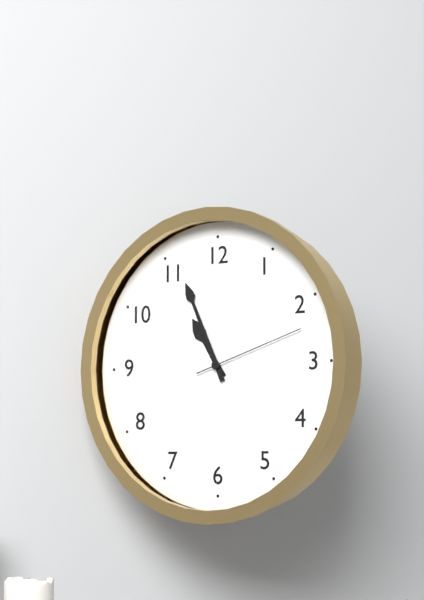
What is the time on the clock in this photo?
10:56:12
